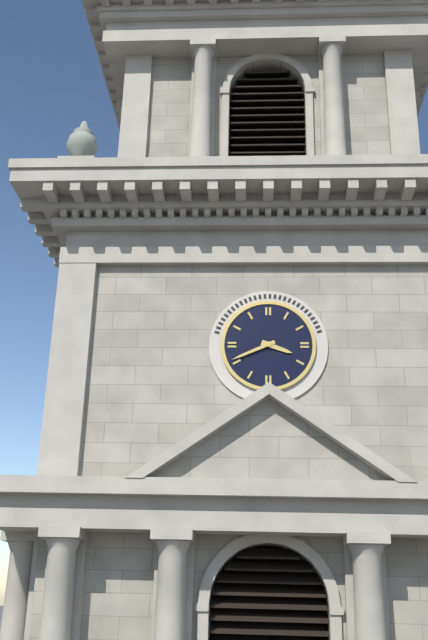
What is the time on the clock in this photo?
3:41
